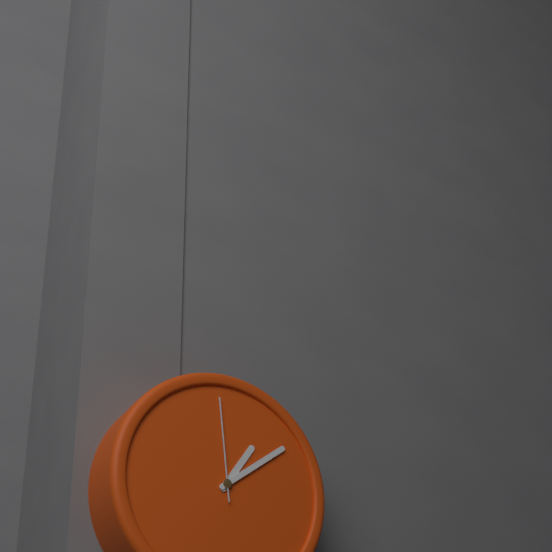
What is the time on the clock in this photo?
1:09:59
